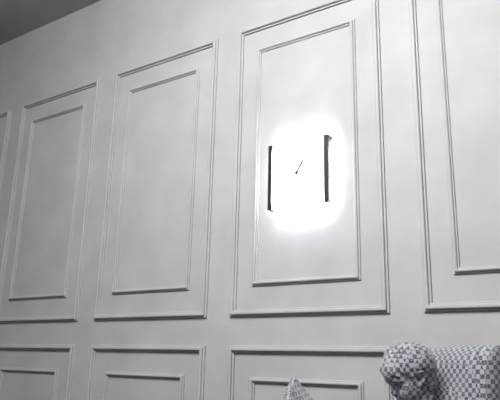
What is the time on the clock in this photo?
1:05
